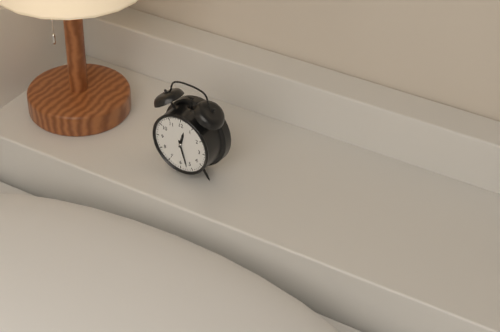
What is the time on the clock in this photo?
12:27
